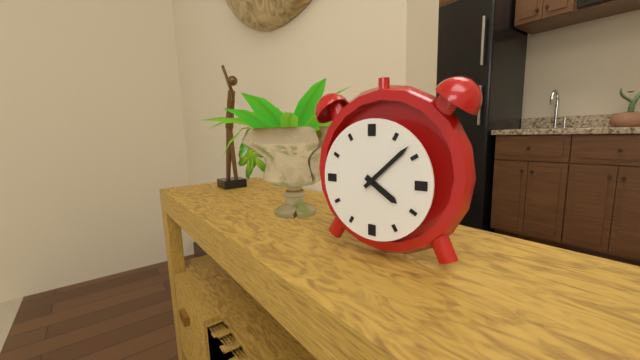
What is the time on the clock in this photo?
4:08
